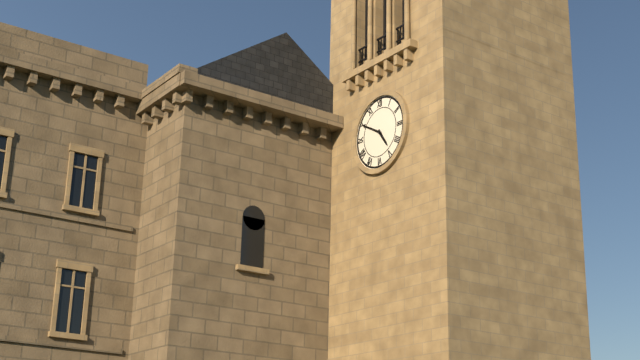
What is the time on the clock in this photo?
4:50
